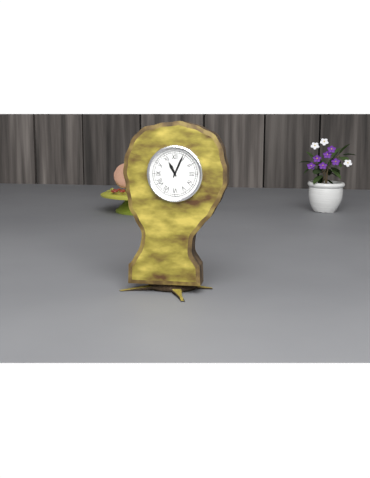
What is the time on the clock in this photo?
11:04
